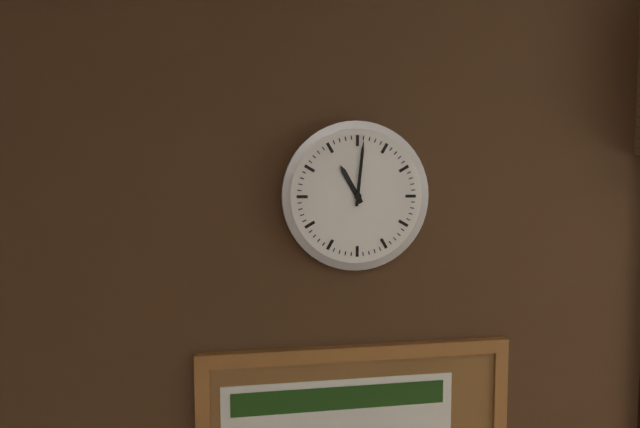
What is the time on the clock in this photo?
11:01
